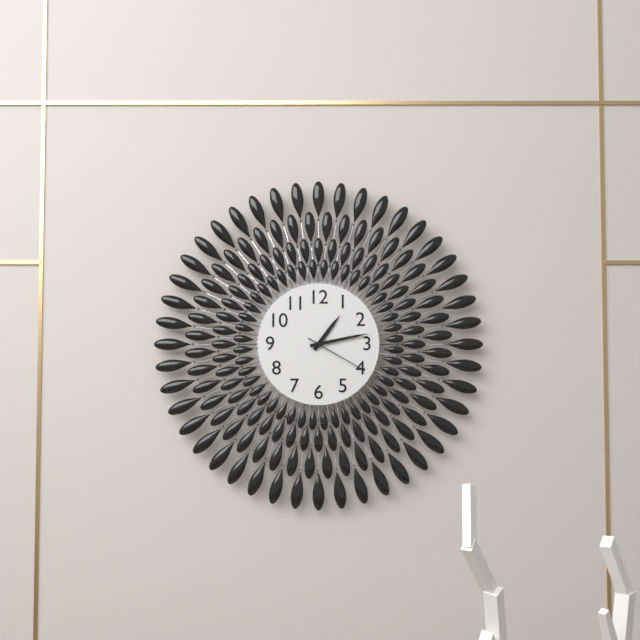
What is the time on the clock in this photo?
1:13:20
